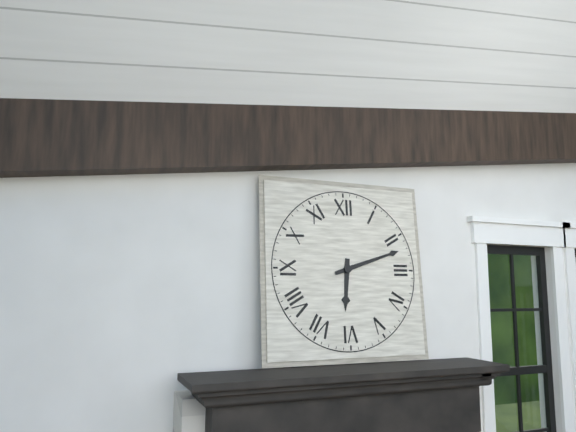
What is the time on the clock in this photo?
6:12
